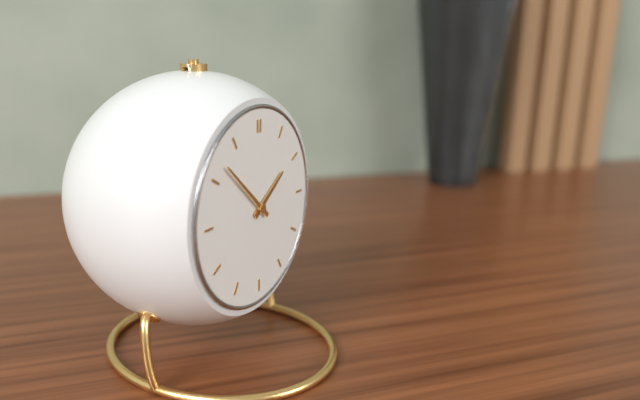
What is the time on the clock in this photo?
1:52
